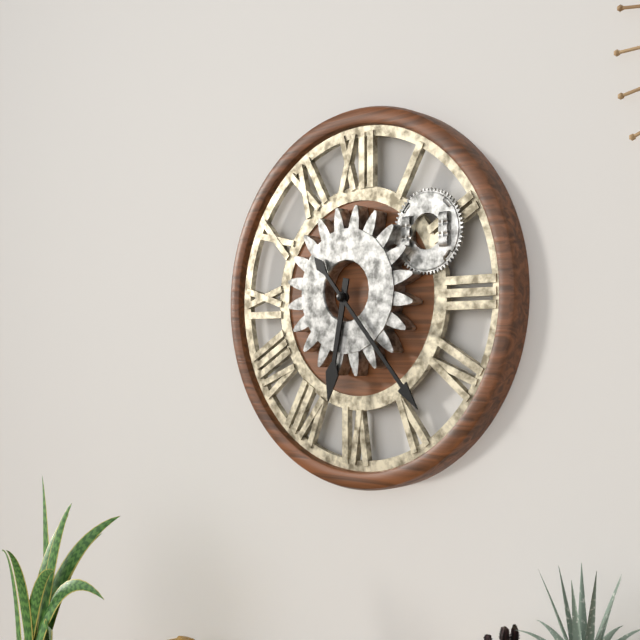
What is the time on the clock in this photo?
6:23
